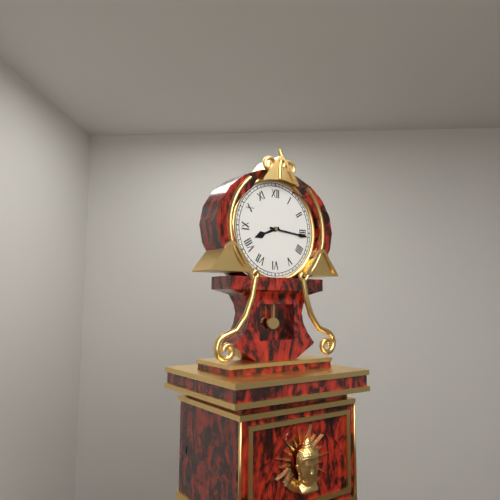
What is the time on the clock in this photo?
8:16
